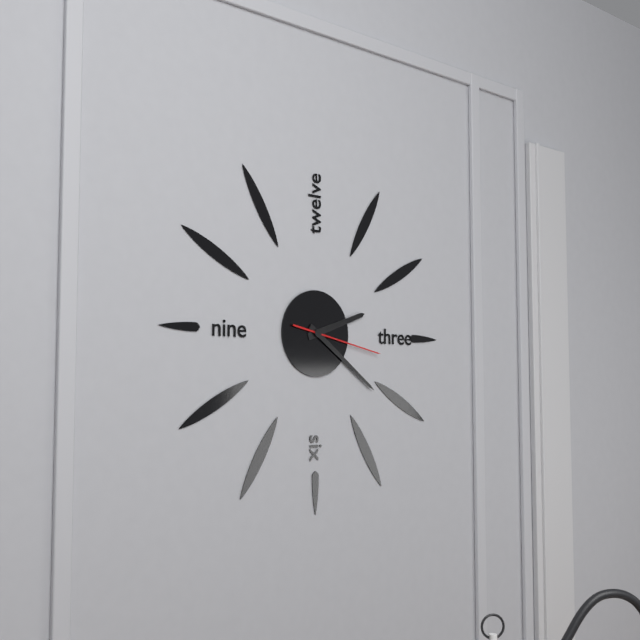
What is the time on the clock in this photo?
2:21:17
